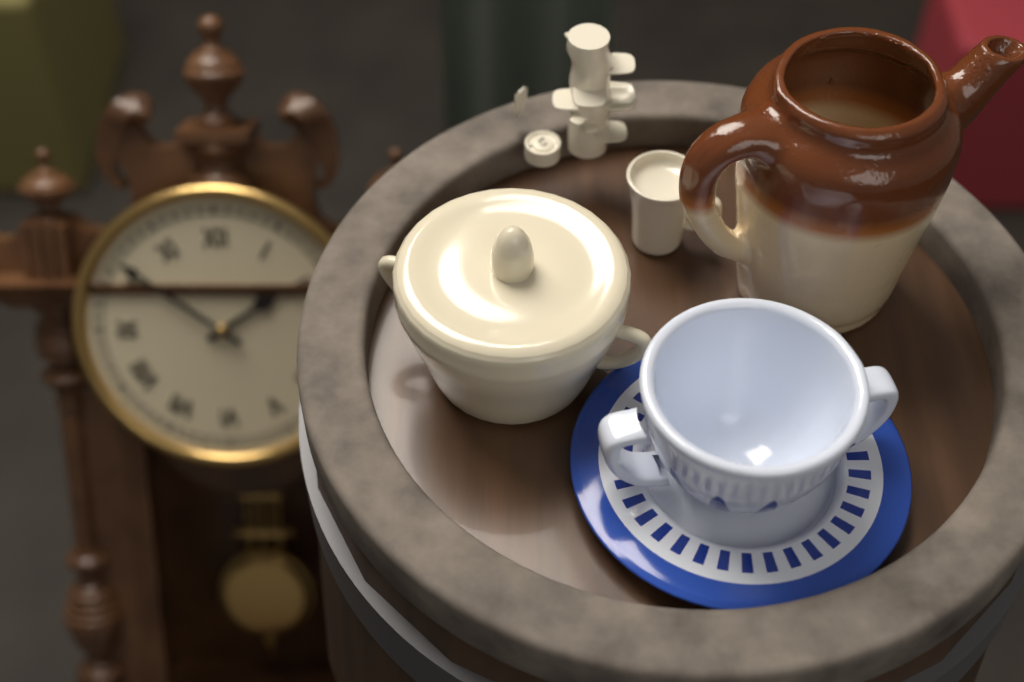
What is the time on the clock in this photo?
1:51
